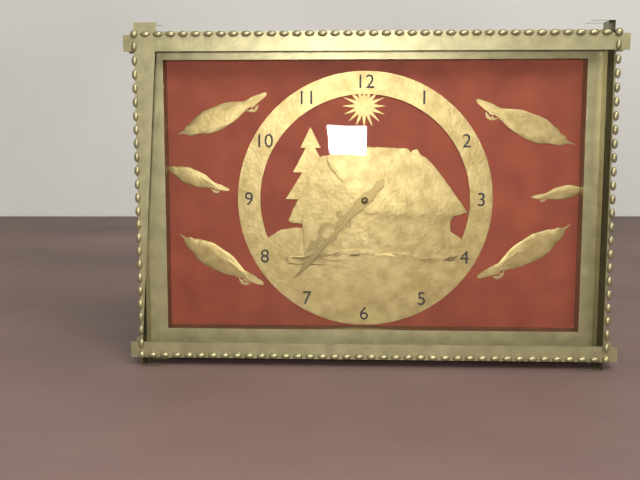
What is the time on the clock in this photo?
7:37
